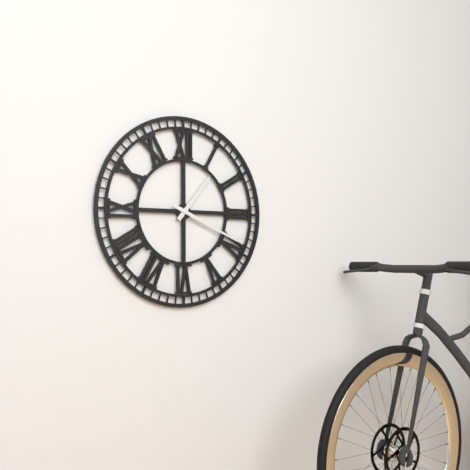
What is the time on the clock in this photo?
1:19
